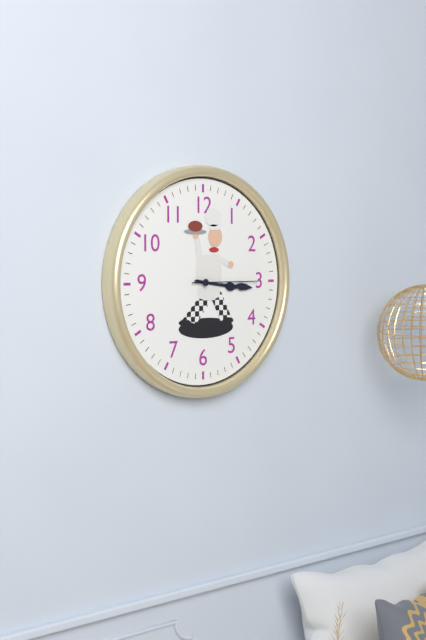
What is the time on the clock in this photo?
3:16:15
